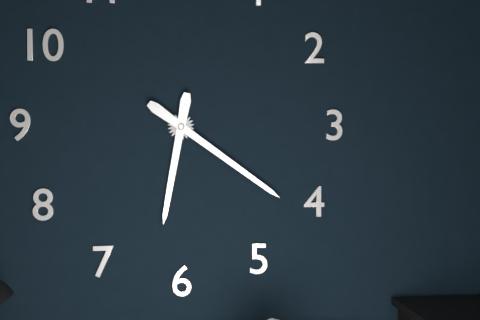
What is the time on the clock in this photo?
6:21
